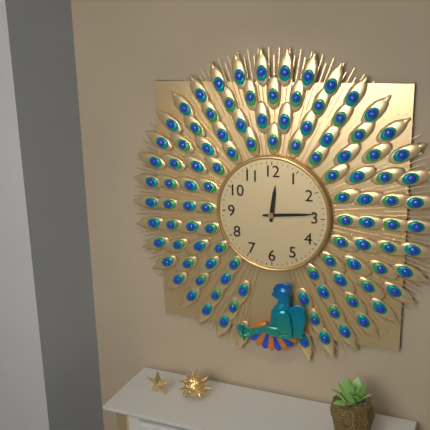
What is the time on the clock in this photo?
12:14
